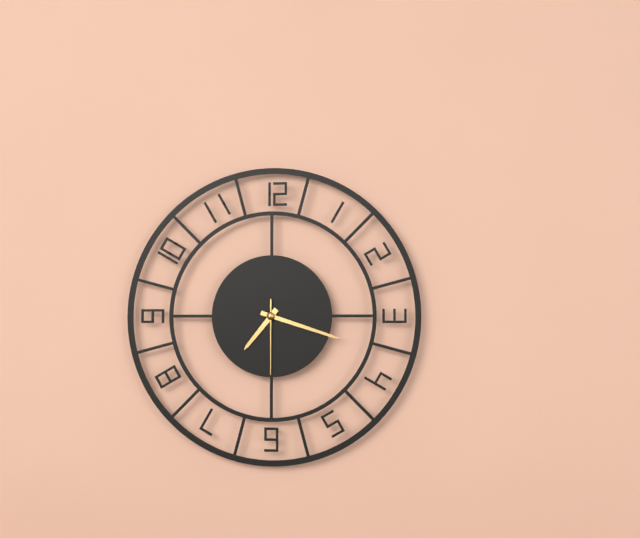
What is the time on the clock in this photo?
7:18:30
